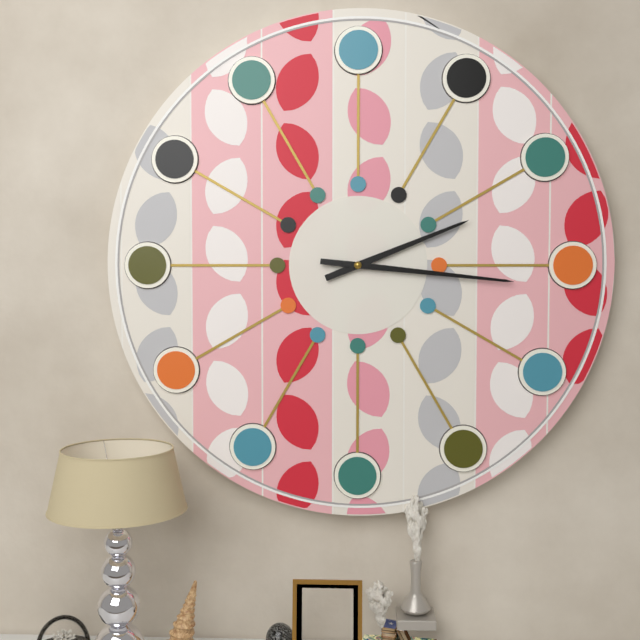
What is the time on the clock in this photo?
2:16
